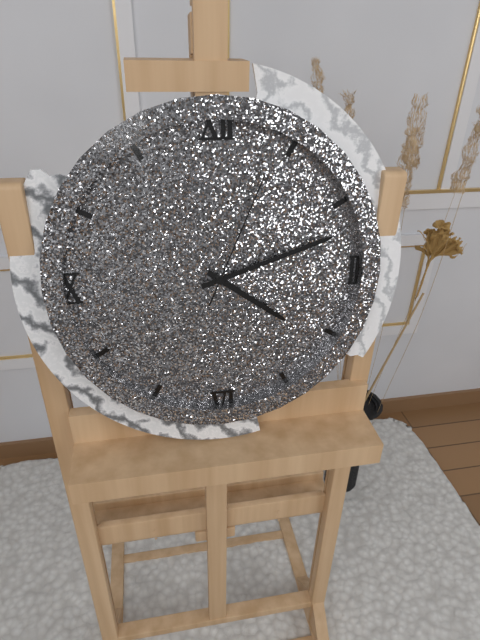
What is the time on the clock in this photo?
4:12:04
